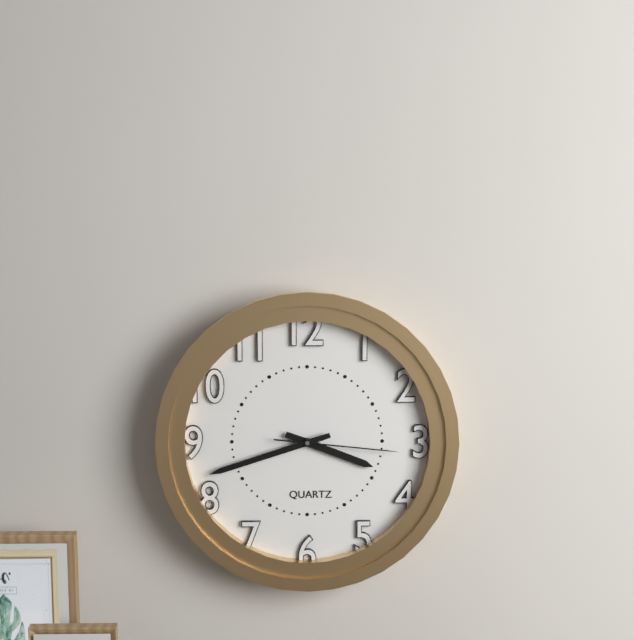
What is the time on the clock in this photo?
3:42:16
